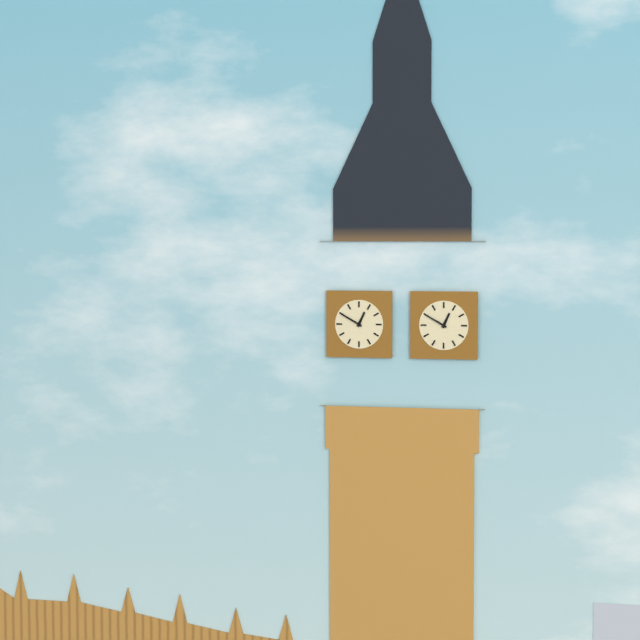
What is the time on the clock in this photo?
12:50
